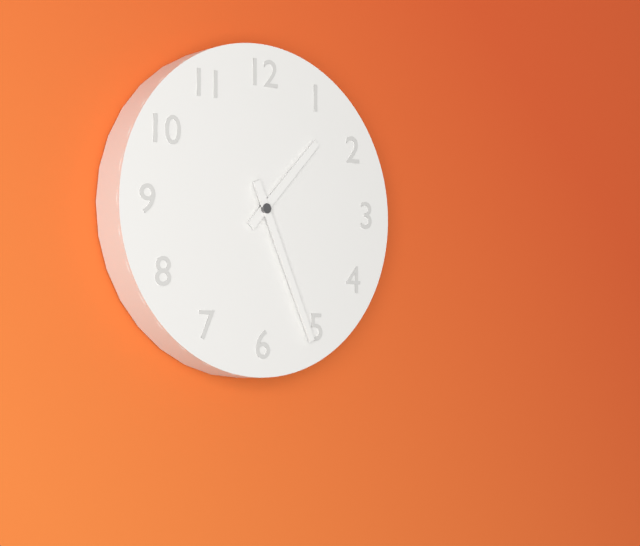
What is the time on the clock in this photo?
1:26
